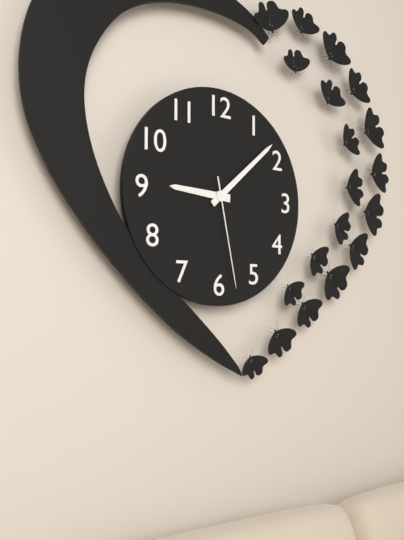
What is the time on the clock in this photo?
9:08:28
